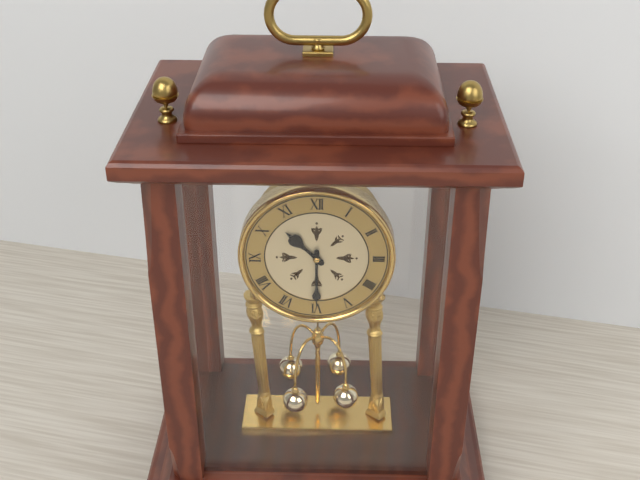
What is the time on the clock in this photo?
10:30
